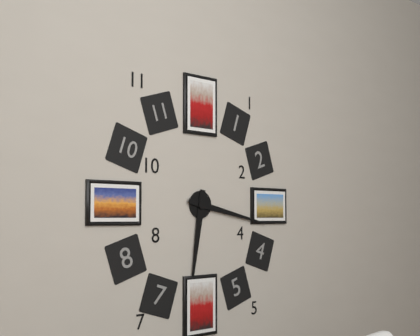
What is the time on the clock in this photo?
6:17
